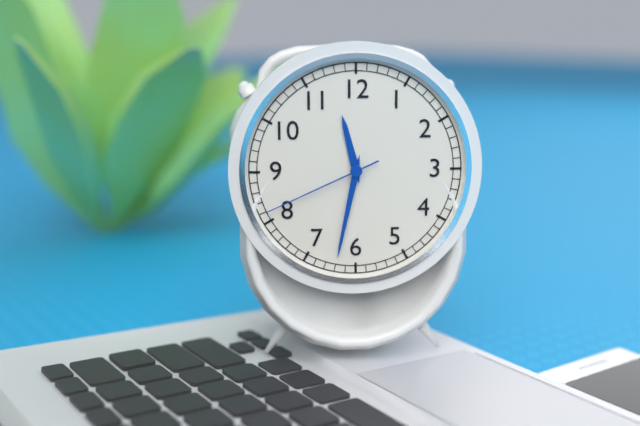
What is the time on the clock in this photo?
11:32:41
